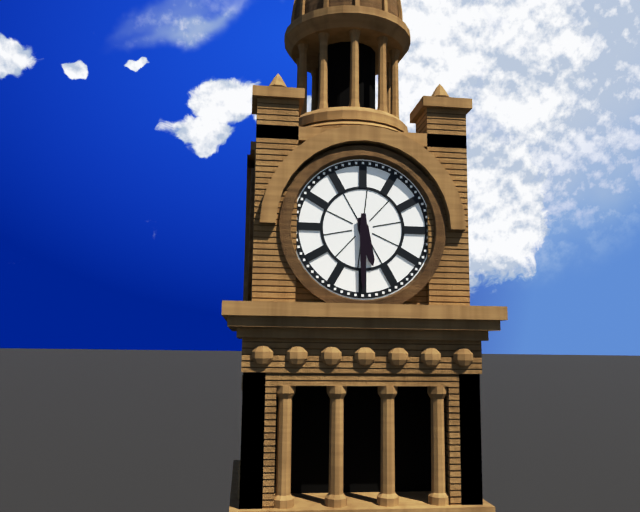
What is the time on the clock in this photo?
5:30
